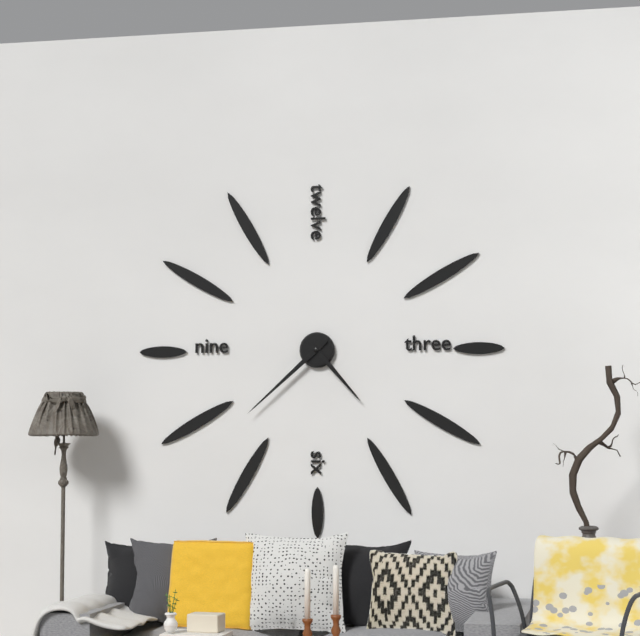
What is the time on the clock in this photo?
4:38
